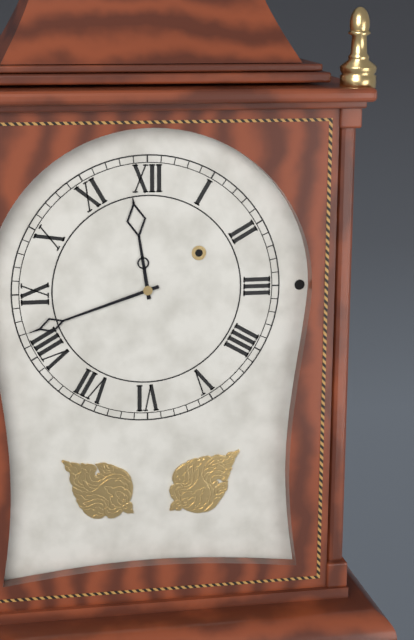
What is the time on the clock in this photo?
11:42
